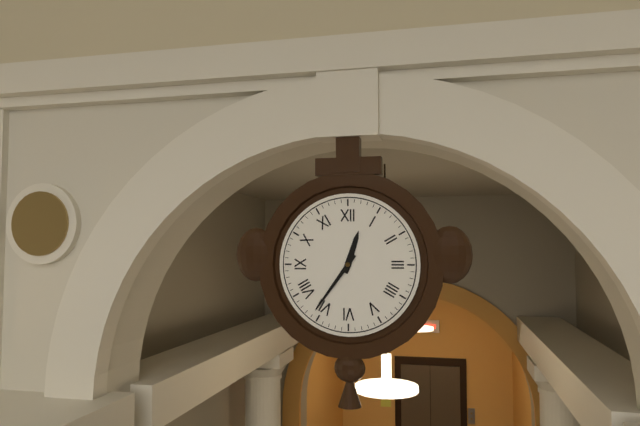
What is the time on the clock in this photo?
12:36
